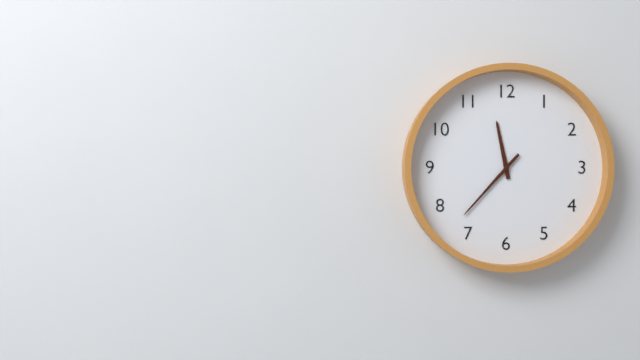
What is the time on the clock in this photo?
11:37
